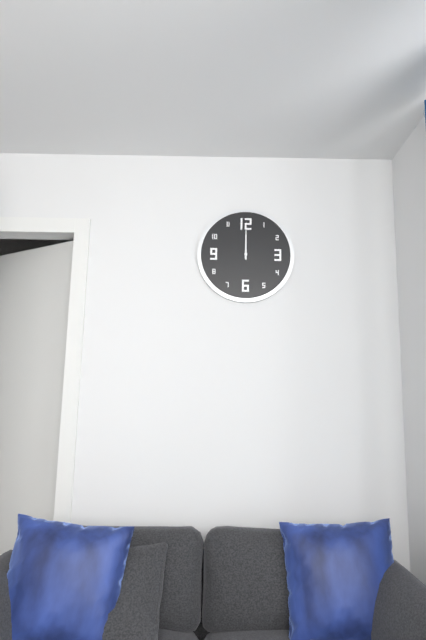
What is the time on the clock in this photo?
12:00
